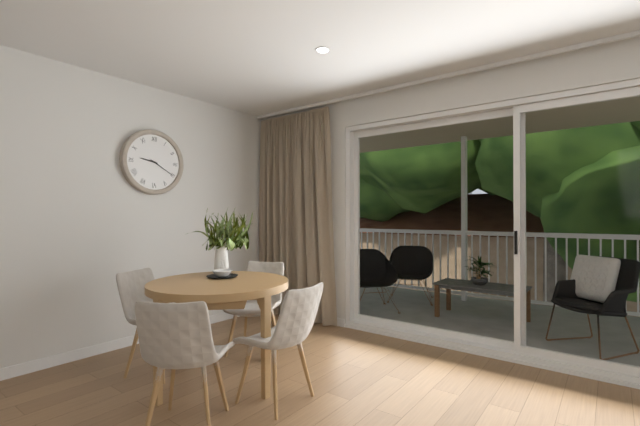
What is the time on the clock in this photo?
9:20
